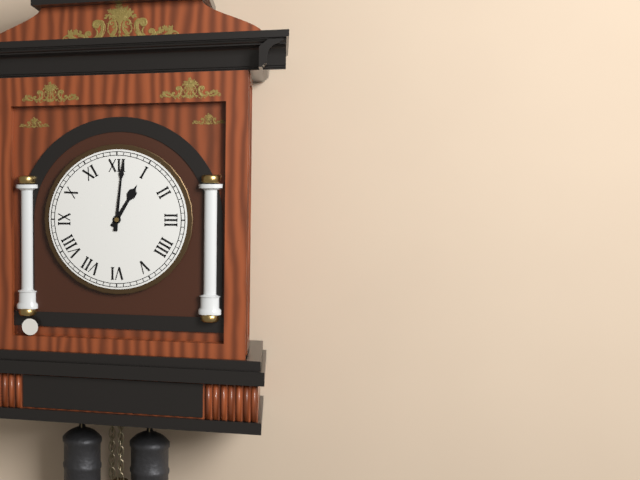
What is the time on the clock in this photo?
1:01
